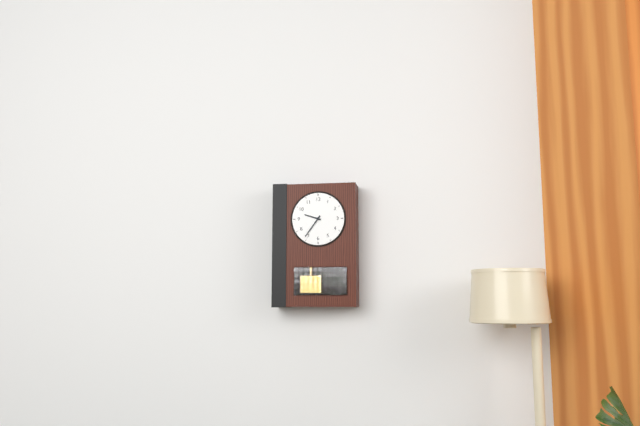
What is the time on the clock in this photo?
9:36
